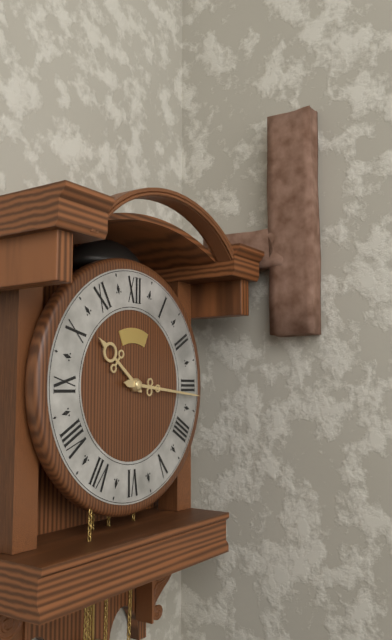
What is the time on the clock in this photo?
10:16
